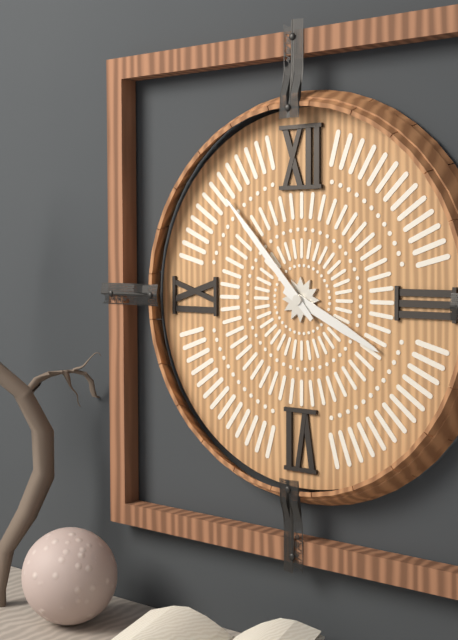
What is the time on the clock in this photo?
3:53
